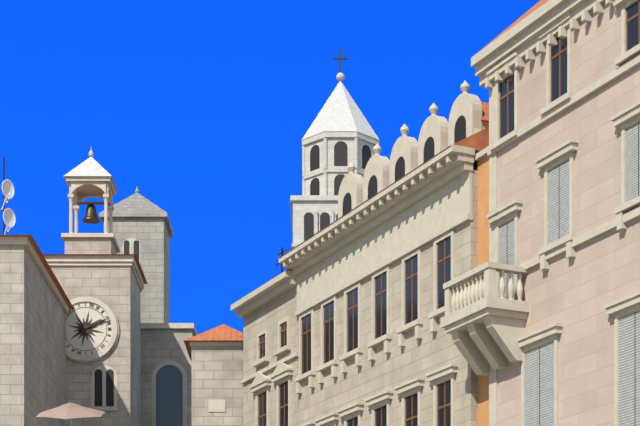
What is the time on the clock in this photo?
2:11
